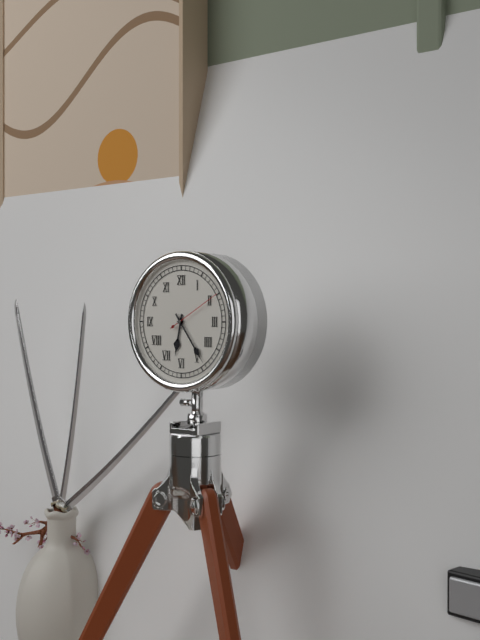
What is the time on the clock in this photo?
6:24:10
